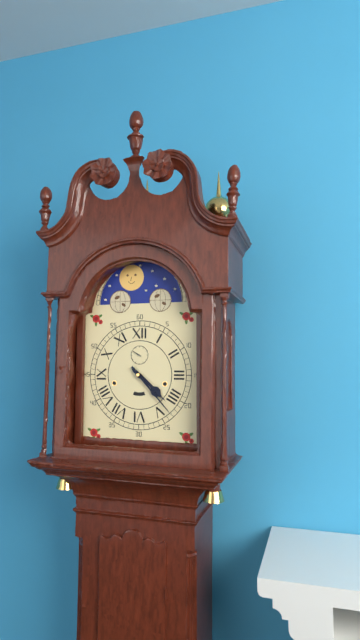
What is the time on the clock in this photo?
4:23
